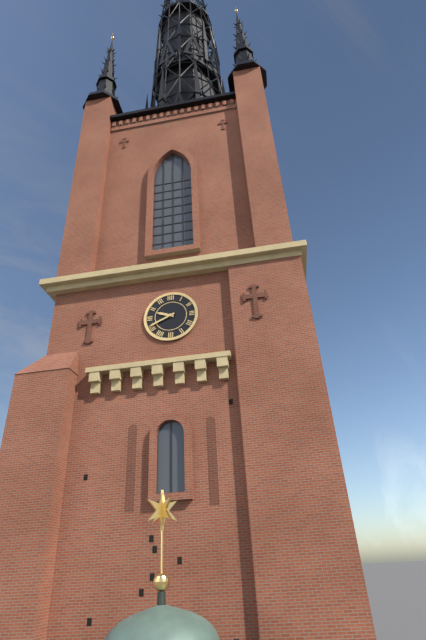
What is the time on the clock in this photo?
9:41
